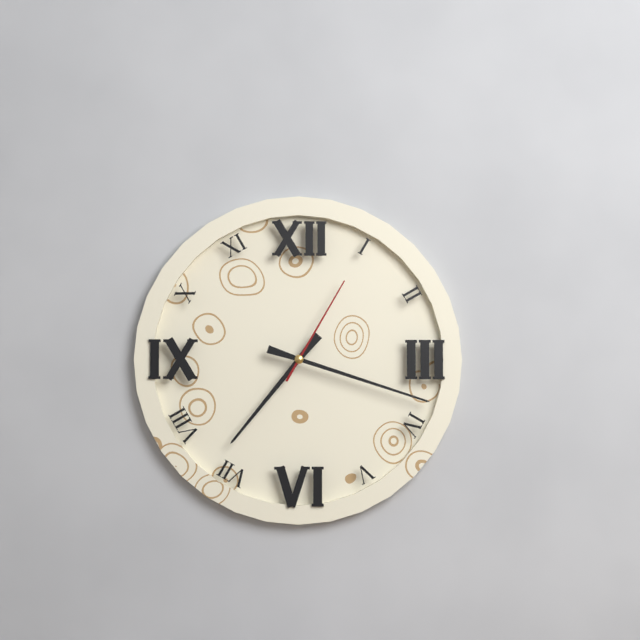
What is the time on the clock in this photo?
7:18:05
